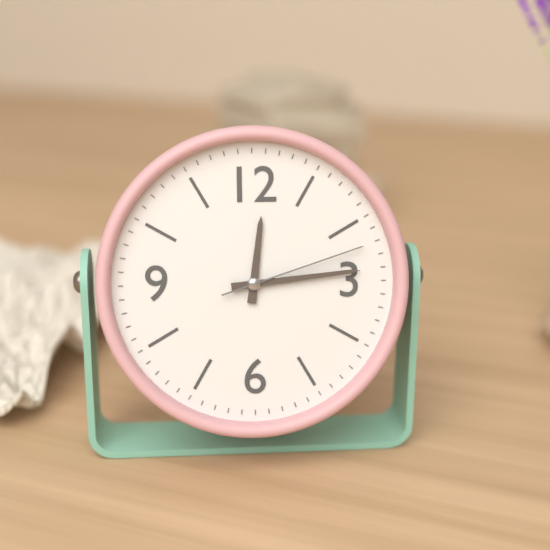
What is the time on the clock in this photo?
12:14:12
